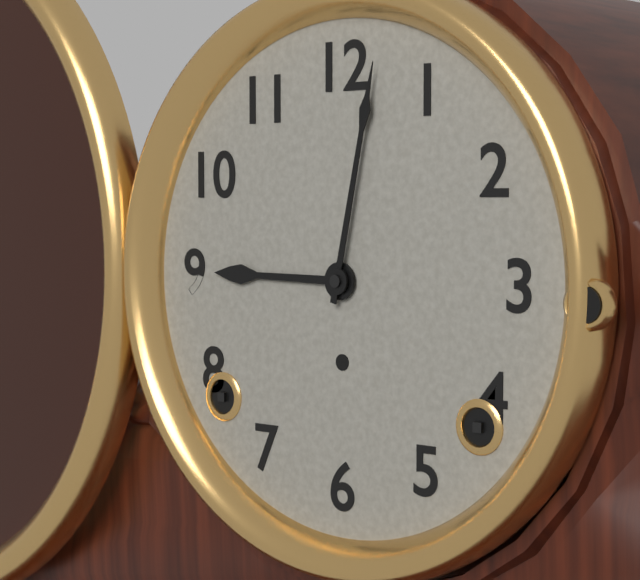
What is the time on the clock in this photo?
9:02
